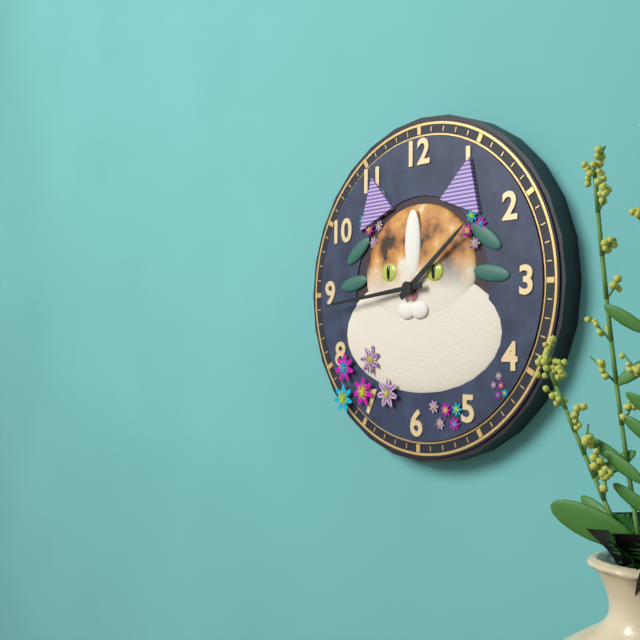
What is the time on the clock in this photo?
1:44
